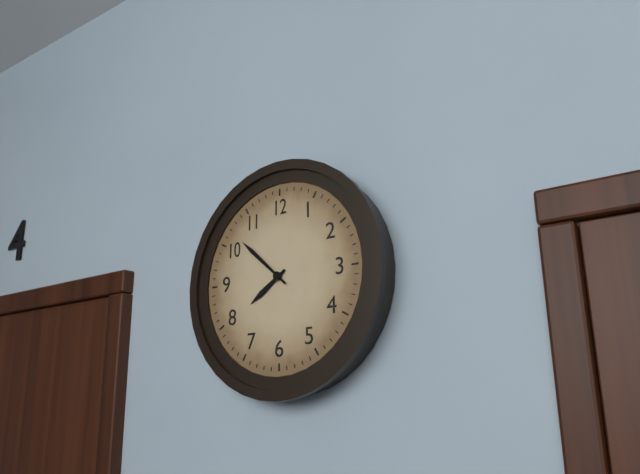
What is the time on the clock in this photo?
7:52
